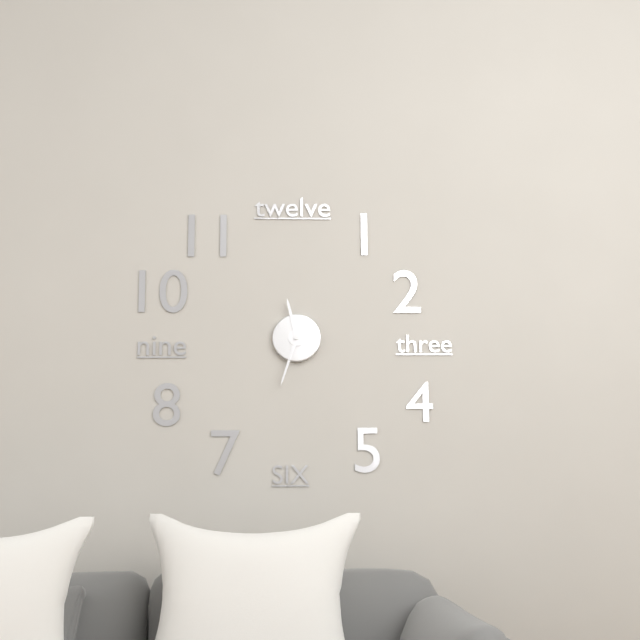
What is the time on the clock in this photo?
11:33
